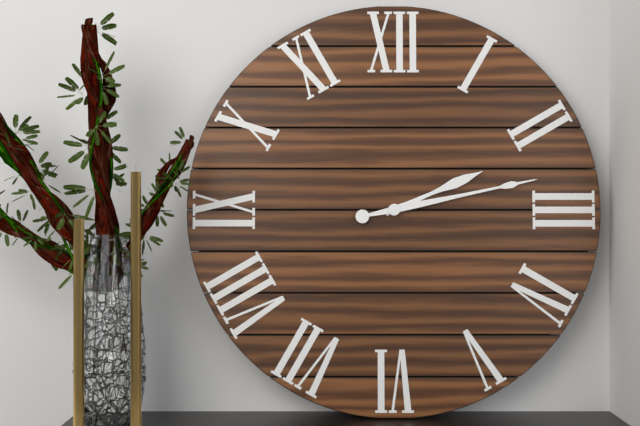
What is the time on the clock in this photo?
2:13
